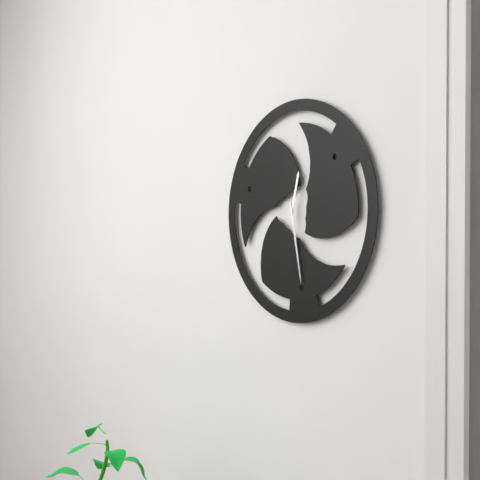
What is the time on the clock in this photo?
12:28
